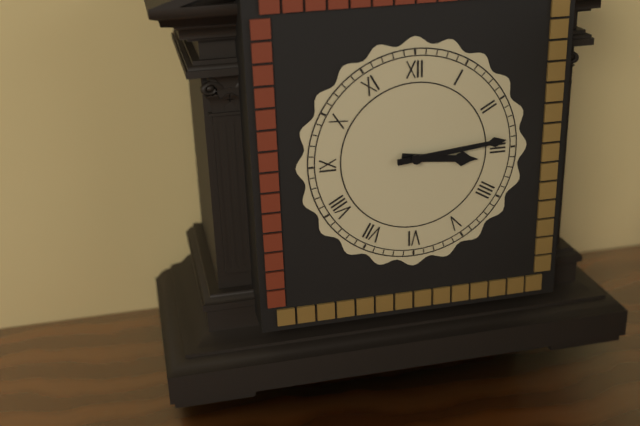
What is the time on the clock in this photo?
3:14
